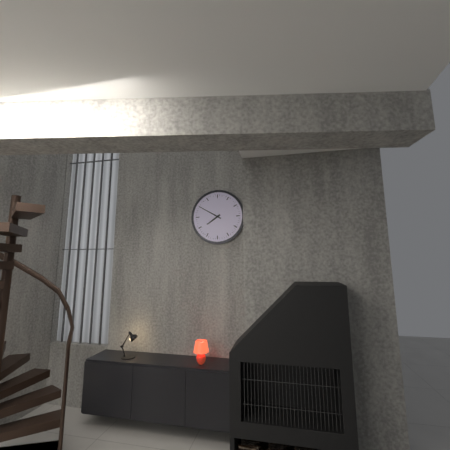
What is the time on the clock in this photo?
7:50
